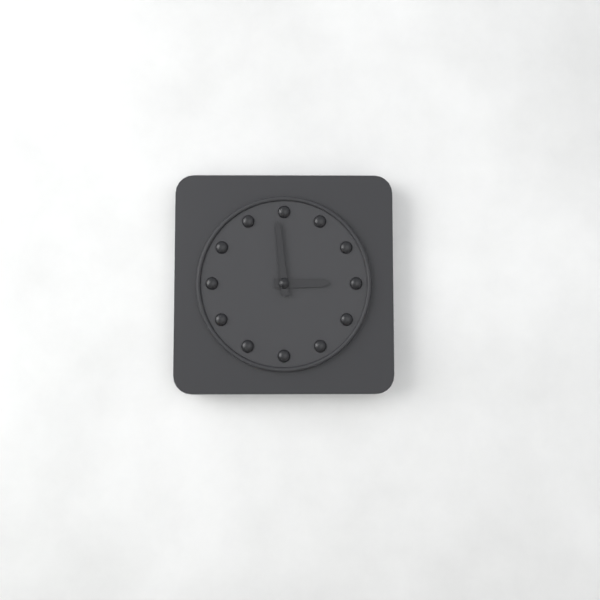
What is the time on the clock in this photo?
2:59
